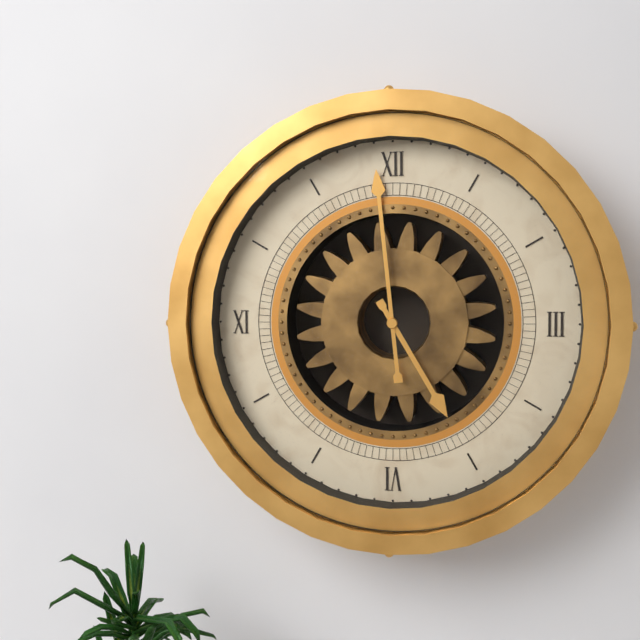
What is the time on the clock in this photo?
4:59
